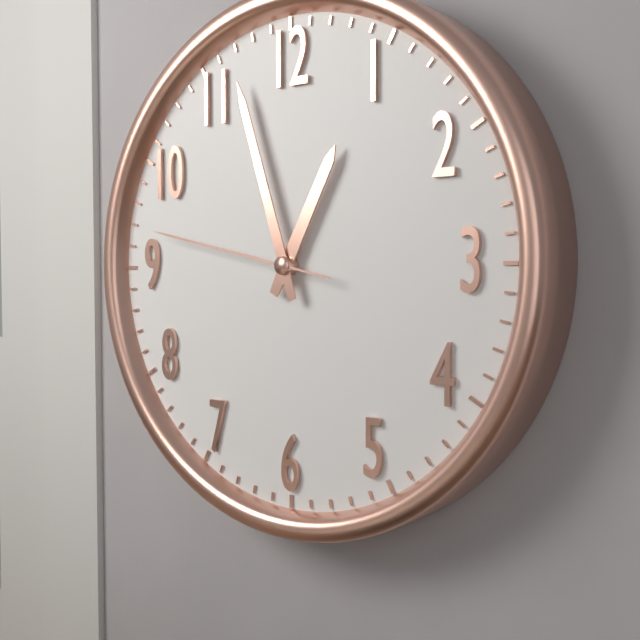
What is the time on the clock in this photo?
12:57:47
